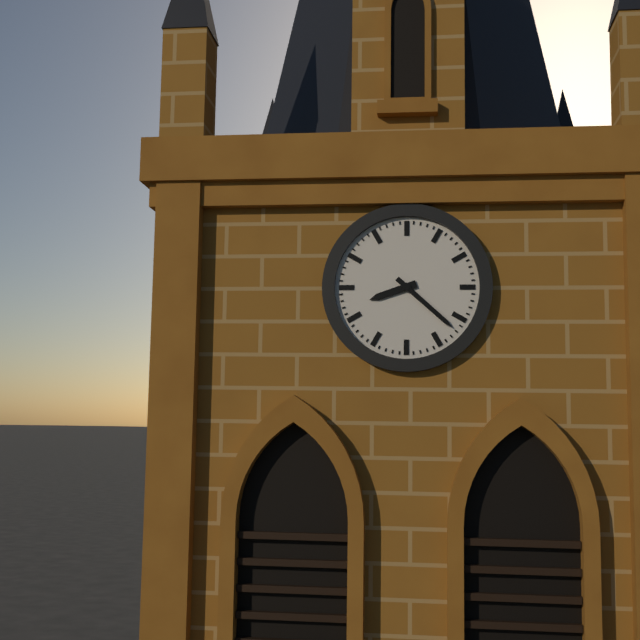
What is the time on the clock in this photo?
8:22
